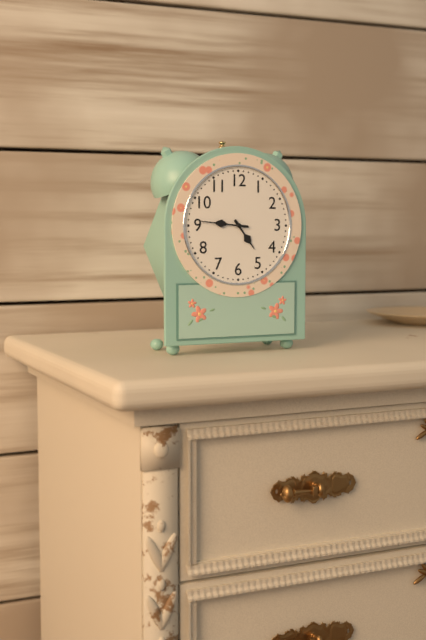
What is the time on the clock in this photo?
4:46
